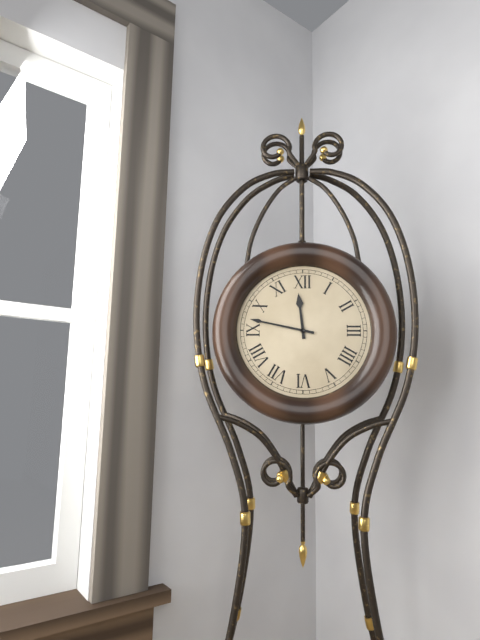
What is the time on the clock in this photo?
11:47
